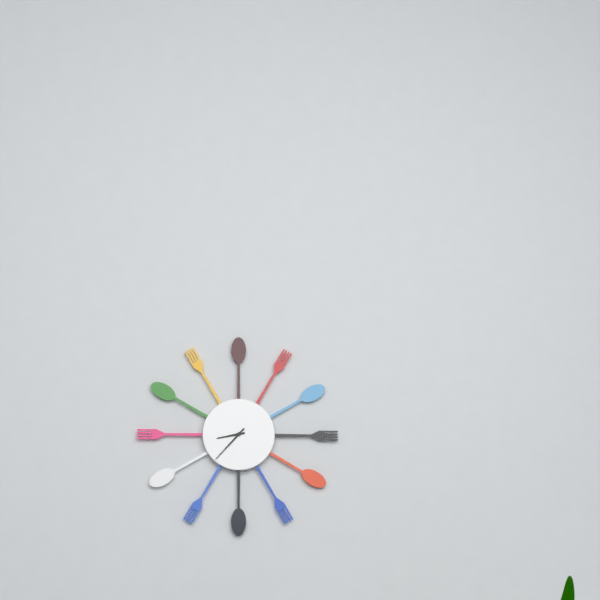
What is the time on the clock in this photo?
8:37
